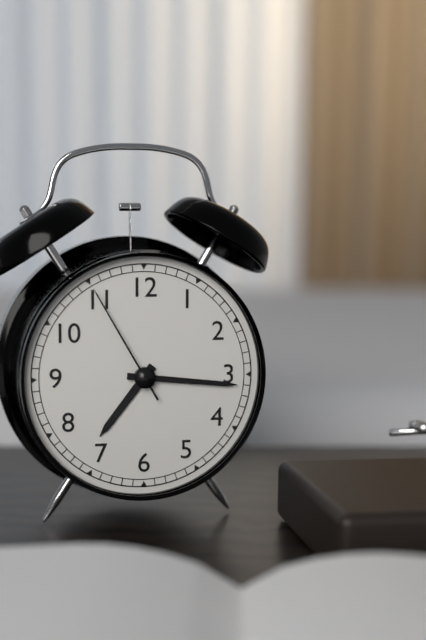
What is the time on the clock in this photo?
7:16:55
